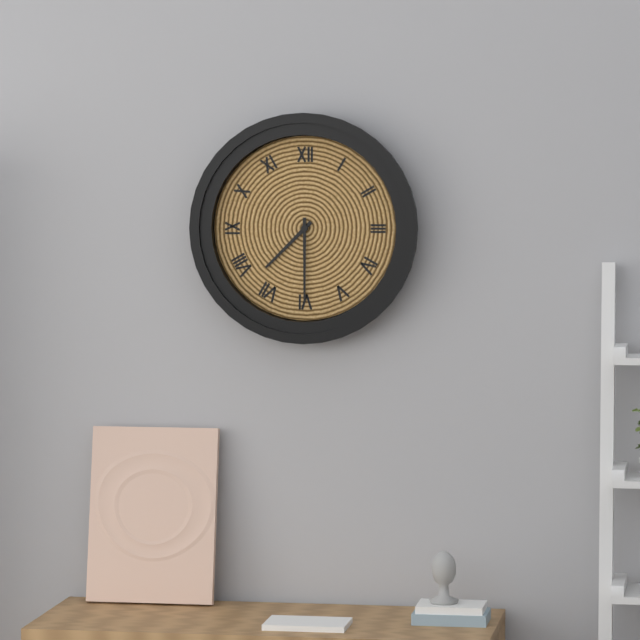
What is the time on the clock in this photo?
7:30
